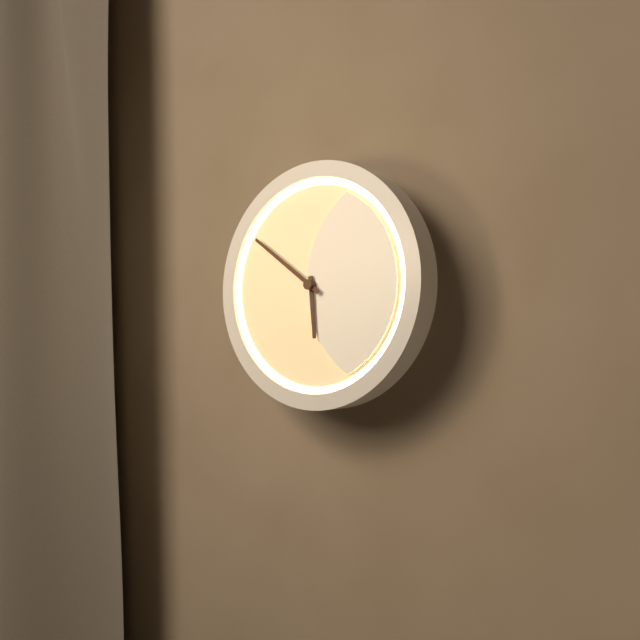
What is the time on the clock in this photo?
5:51
